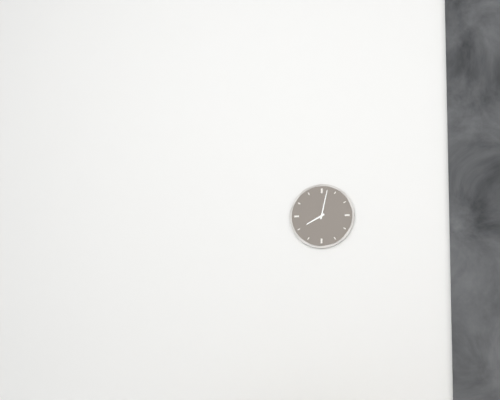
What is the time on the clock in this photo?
8:02
